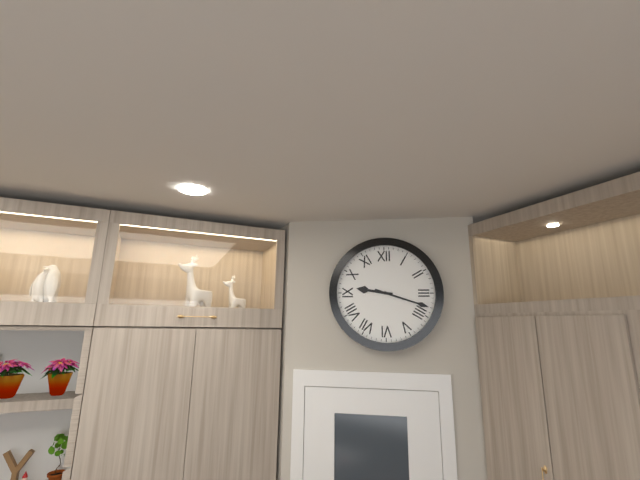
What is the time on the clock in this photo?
9:18
